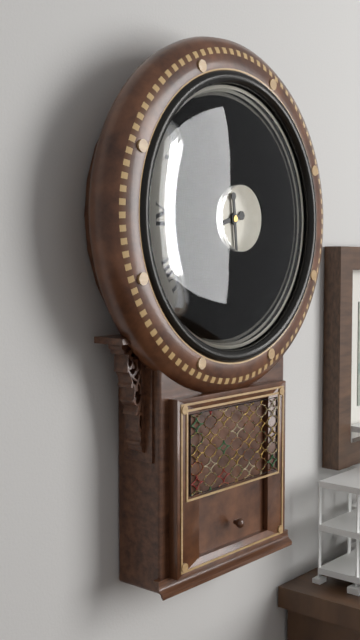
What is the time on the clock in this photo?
8:29
